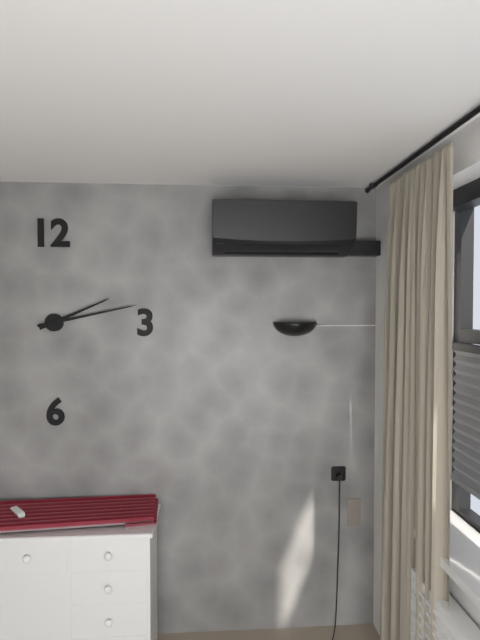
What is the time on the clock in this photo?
2:13
